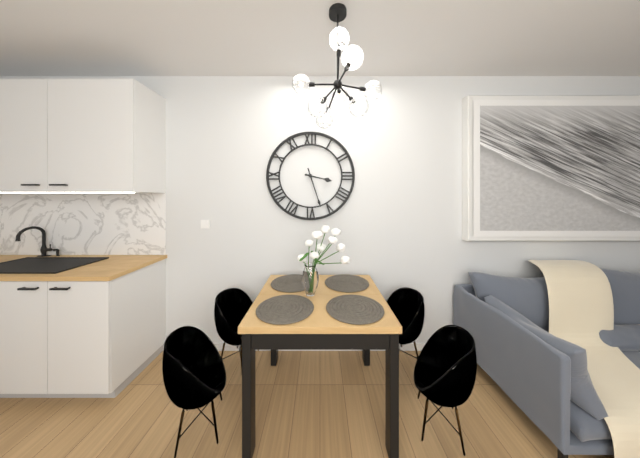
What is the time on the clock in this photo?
3:27
